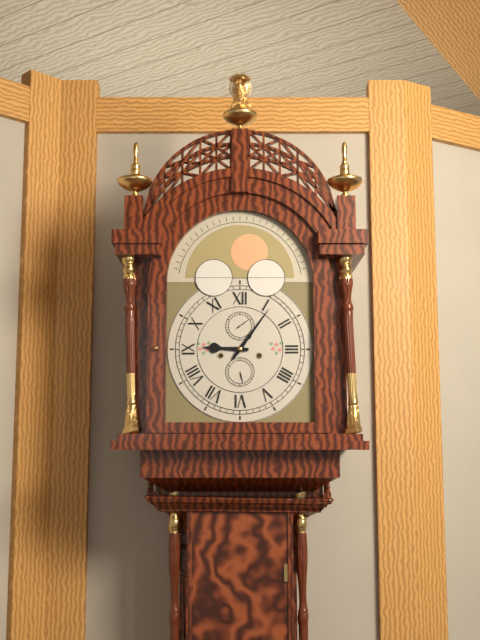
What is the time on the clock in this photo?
9:06
